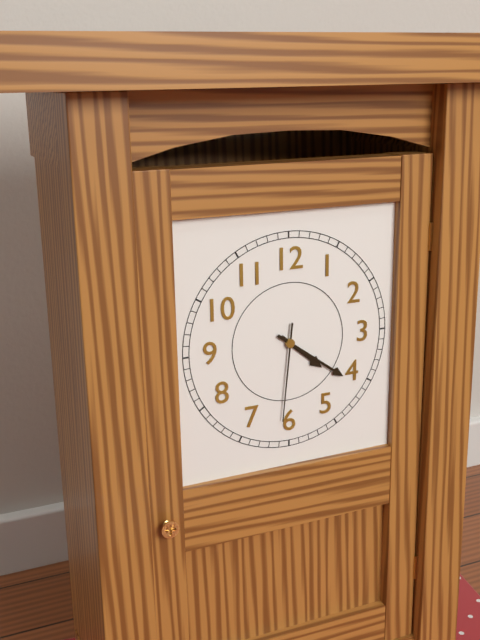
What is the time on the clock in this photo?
4:21:31
